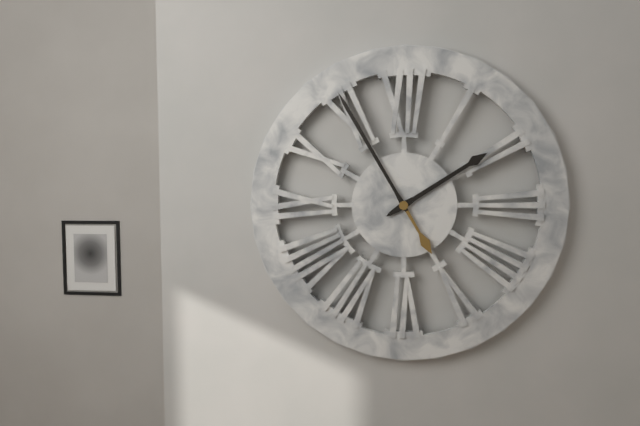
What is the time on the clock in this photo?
1:55
